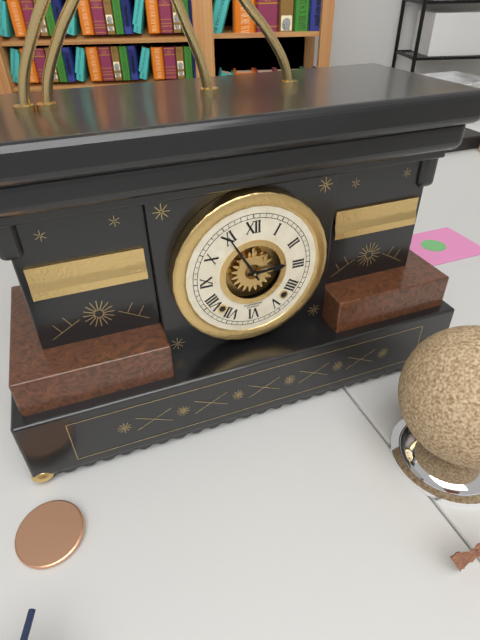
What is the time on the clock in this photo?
2:55
